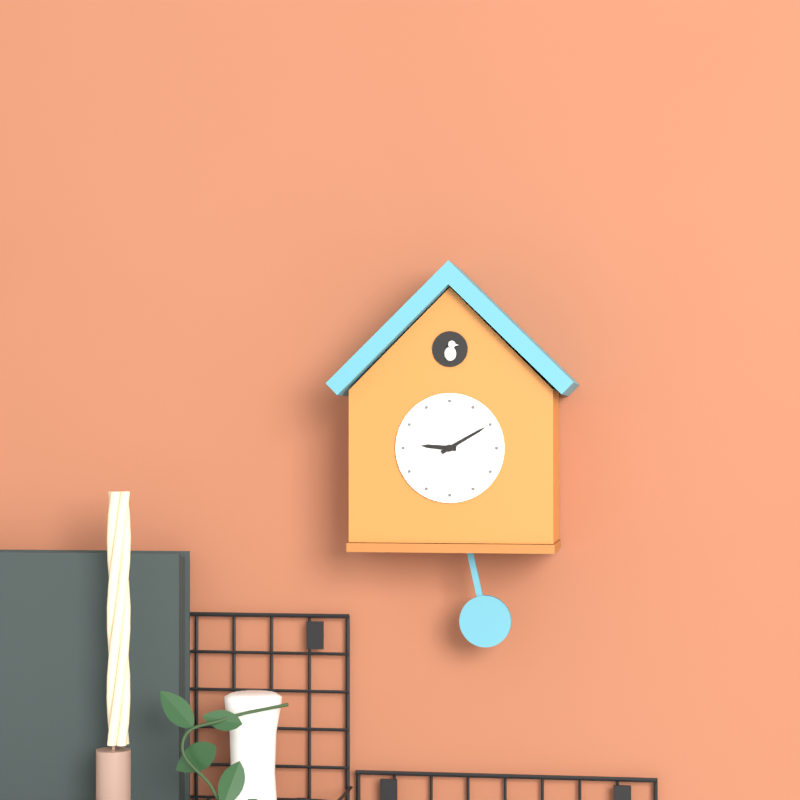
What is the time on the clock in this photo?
9:10
